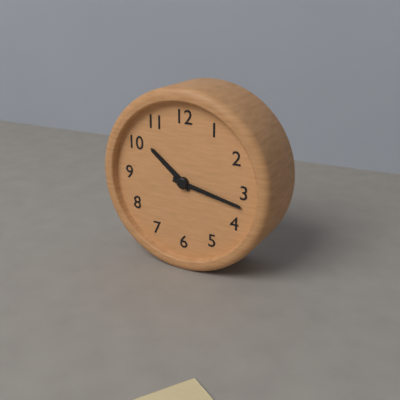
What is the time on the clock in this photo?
10:17
